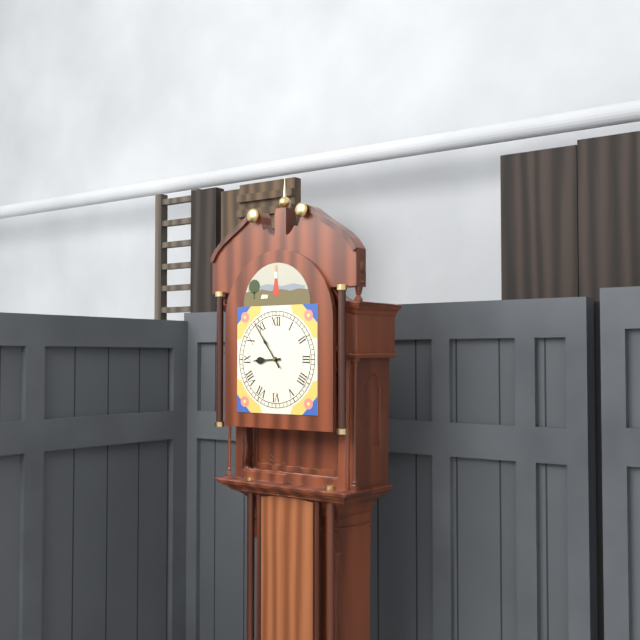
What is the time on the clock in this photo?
8:54
